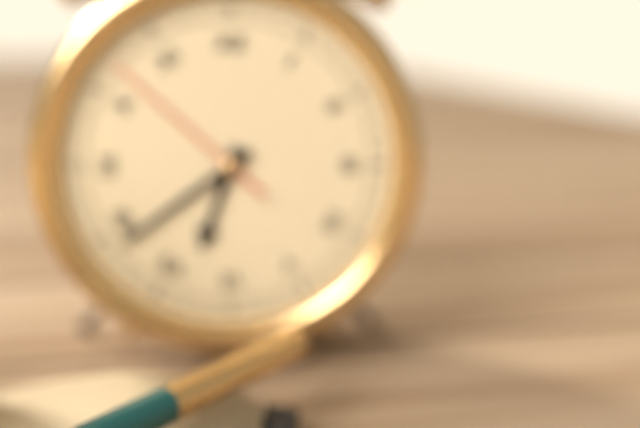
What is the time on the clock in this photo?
6:39:52
